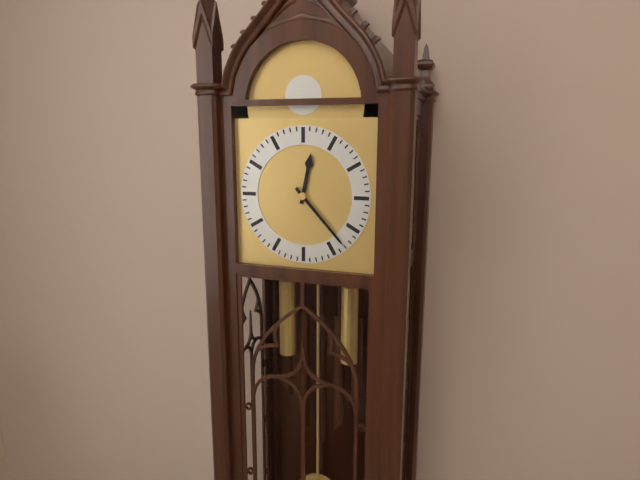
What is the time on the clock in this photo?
12:23
